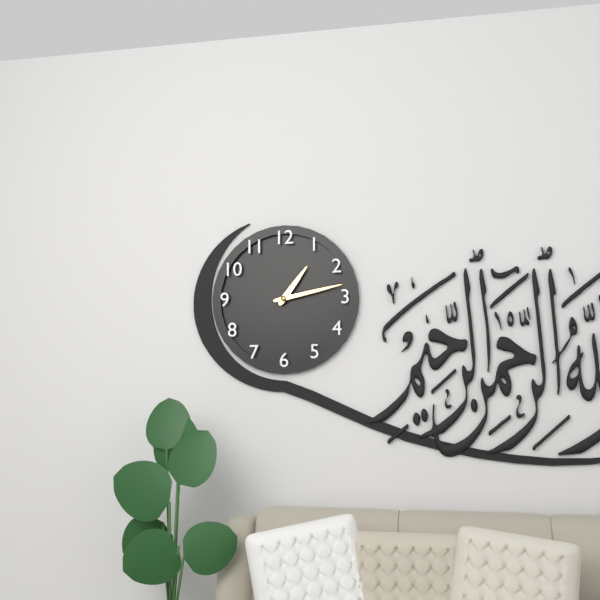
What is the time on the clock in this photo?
1:13
